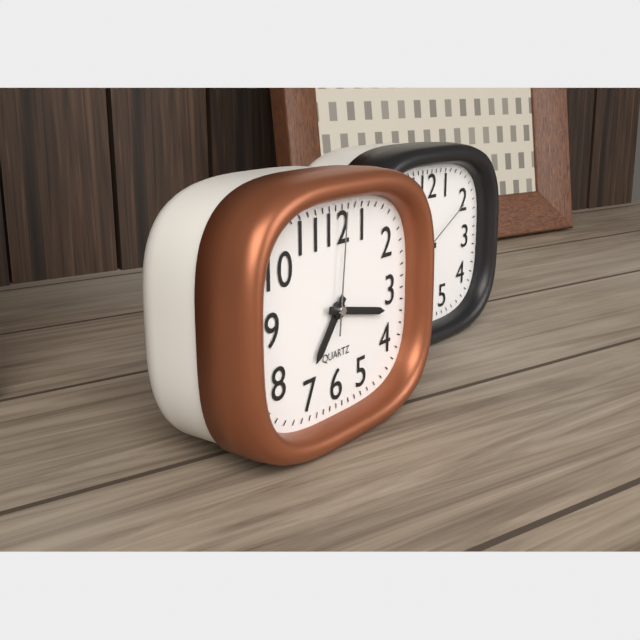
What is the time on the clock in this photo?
7:17:01
